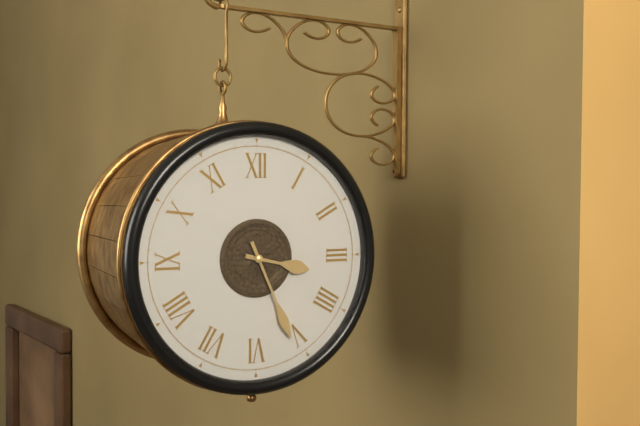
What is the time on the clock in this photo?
3:26
